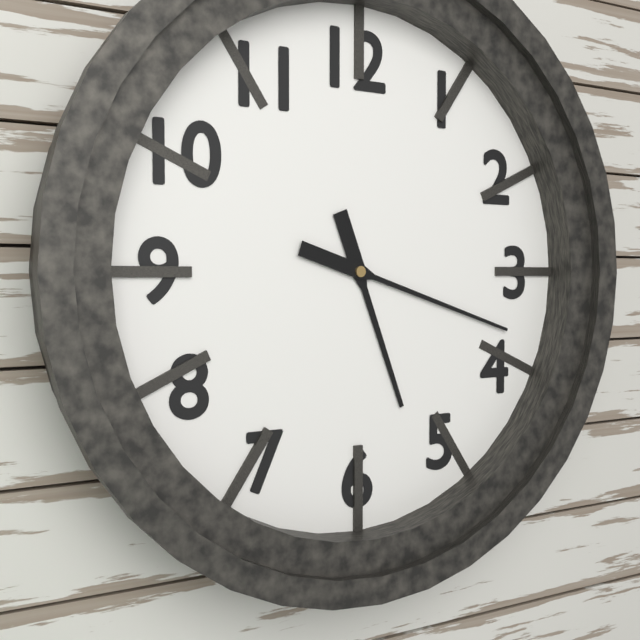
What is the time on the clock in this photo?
5:18
